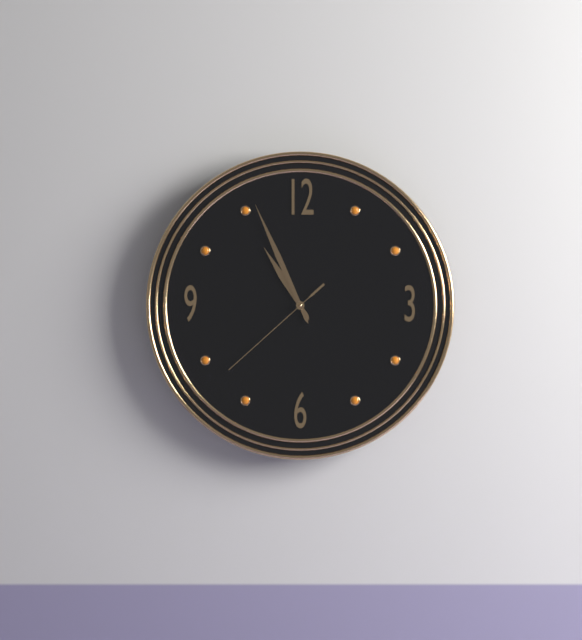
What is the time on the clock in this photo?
10:56:38
